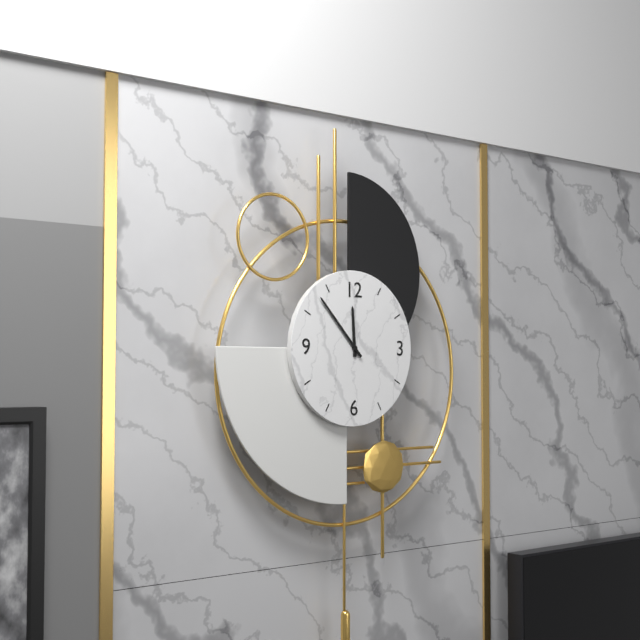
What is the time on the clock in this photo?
11:53
